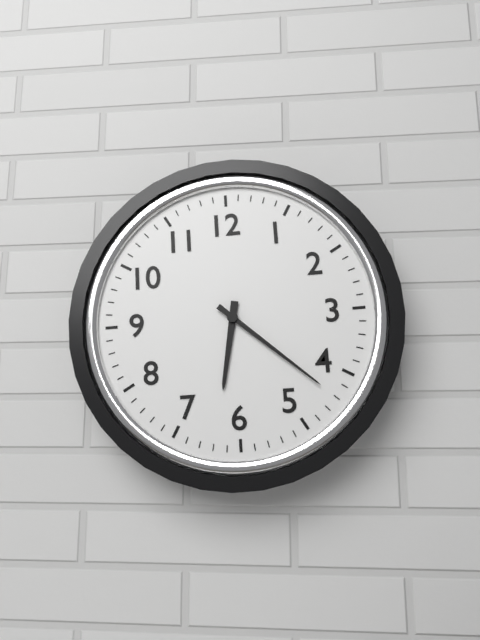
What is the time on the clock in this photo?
6:22
